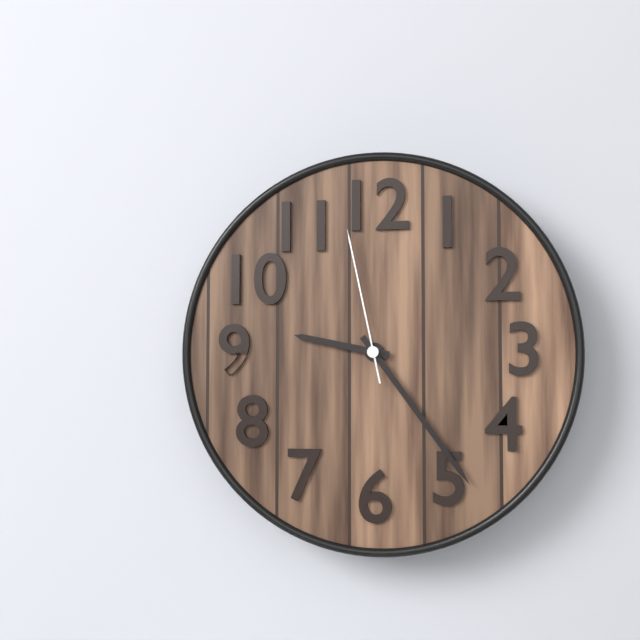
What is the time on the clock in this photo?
9:24:58
